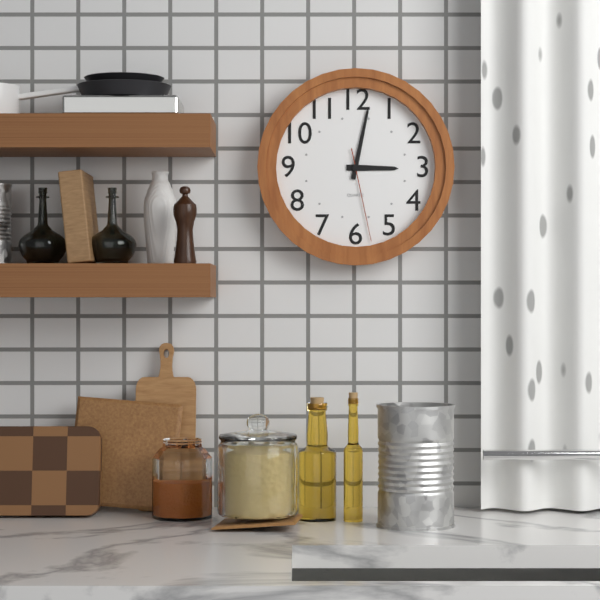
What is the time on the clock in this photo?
3:02:28
